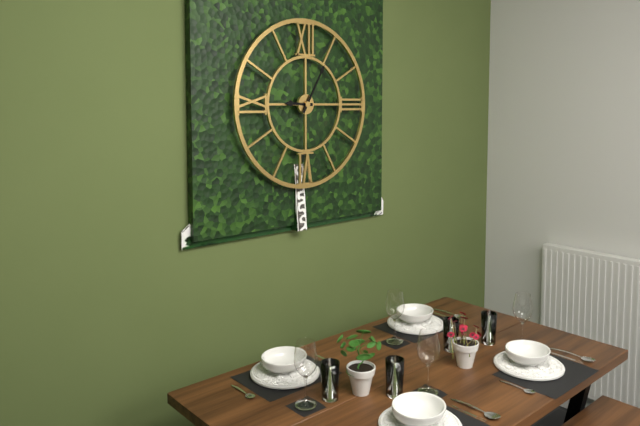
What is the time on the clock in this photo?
9:05
